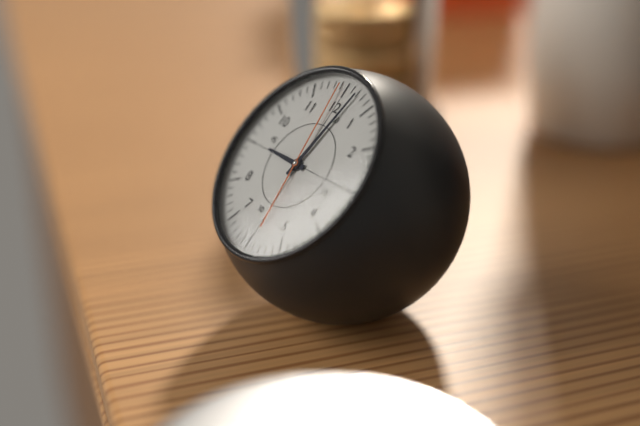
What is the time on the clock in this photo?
9:02:59
